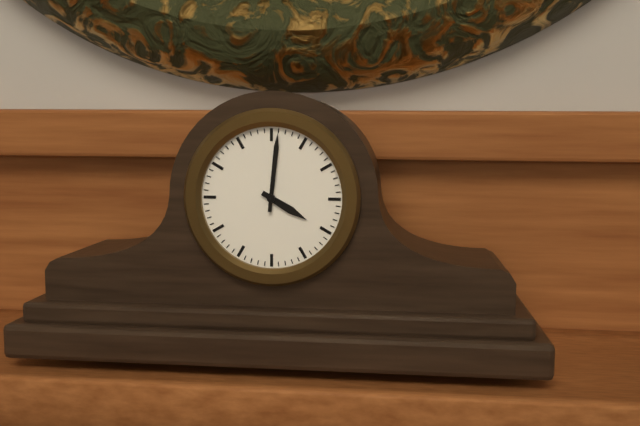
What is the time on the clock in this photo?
4:01
